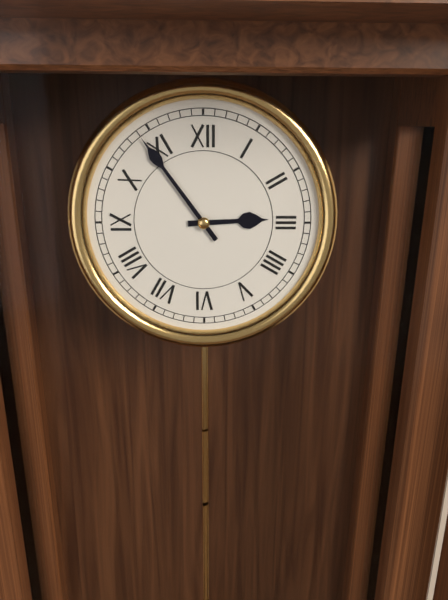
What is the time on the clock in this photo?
2:54
